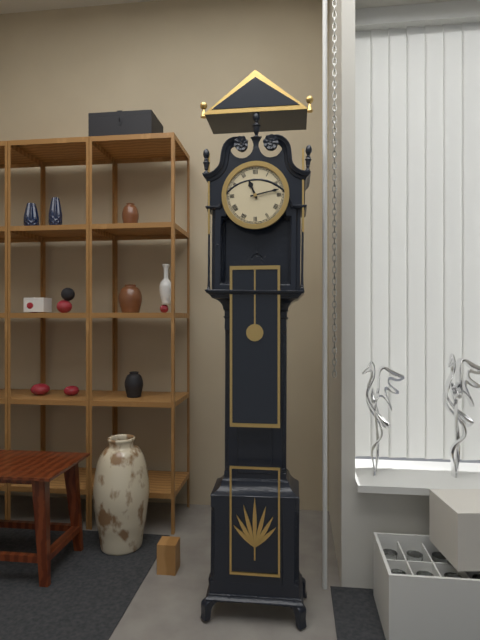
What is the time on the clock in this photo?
11:13
